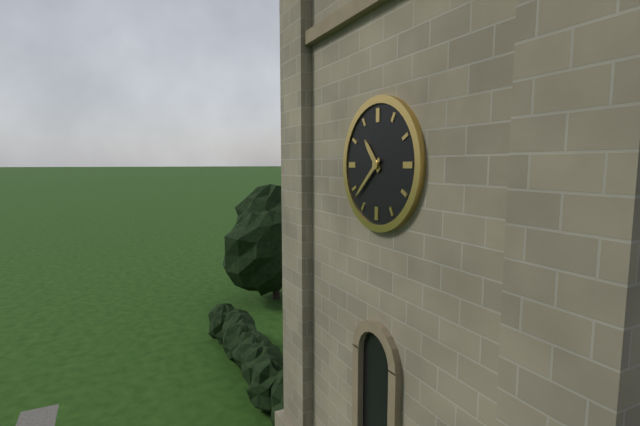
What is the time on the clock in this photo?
10:38
